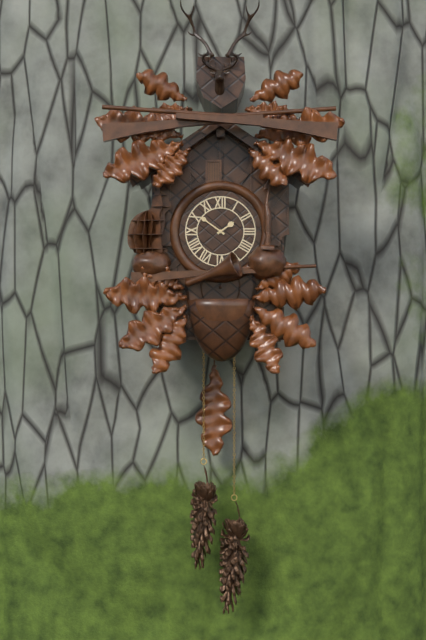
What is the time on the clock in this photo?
1:51
